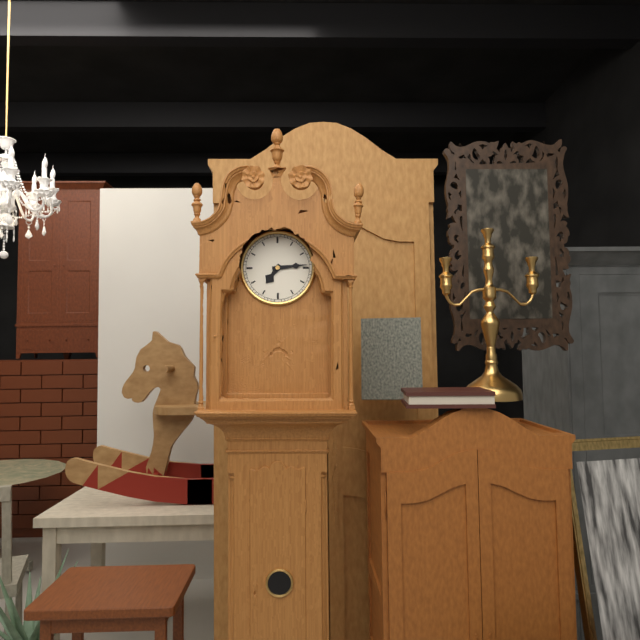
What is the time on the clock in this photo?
7:14
